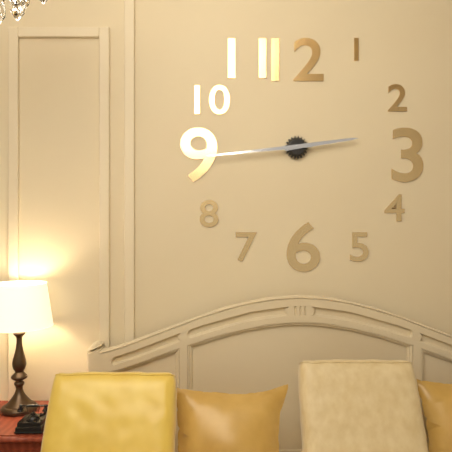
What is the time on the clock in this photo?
2:44
